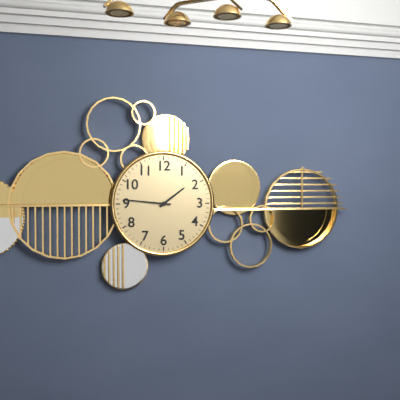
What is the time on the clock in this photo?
1:46
